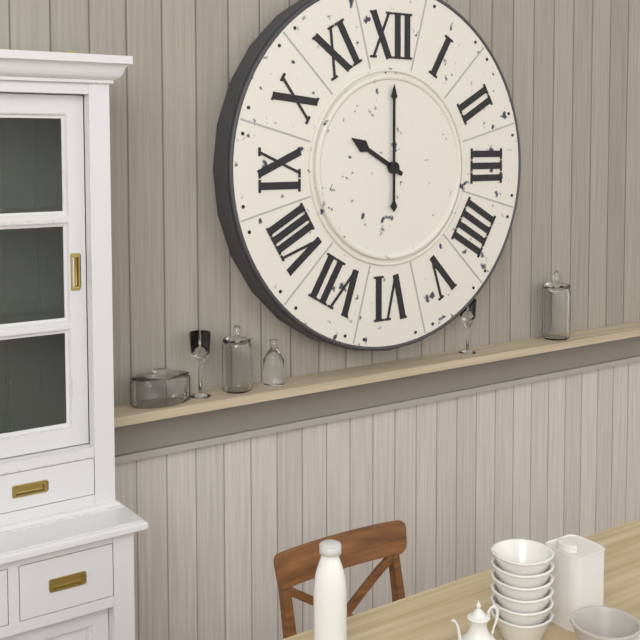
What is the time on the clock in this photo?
10:00
